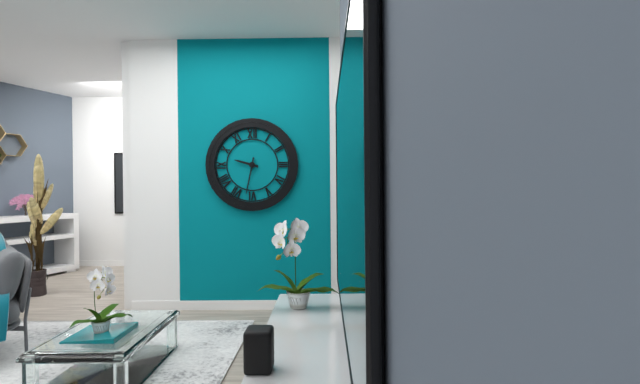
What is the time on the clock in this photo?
9:32
